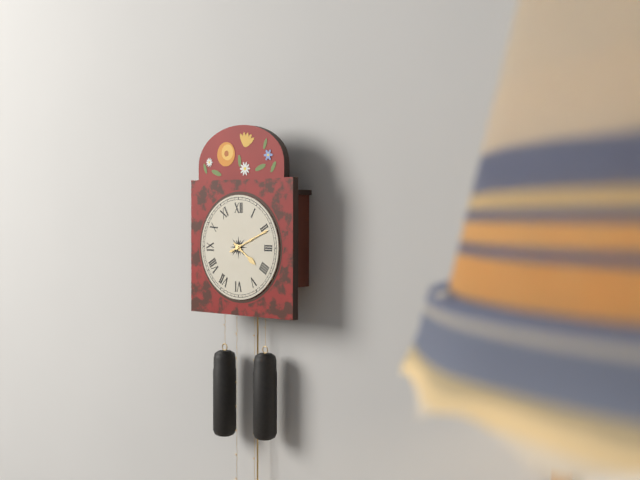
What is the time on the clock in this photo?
4:11
